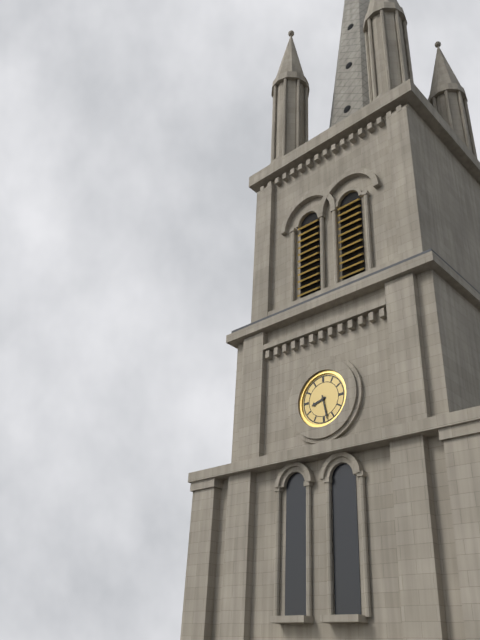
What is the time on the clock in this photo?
8:28
